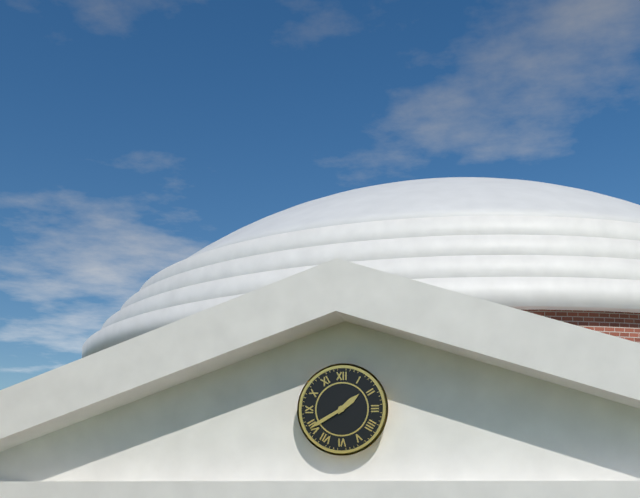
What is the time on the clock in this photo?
1:40
